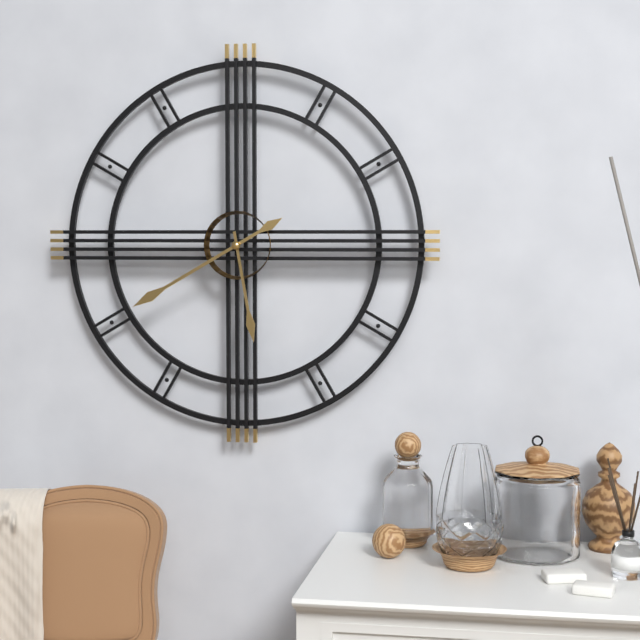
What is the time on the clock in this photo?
5:40
